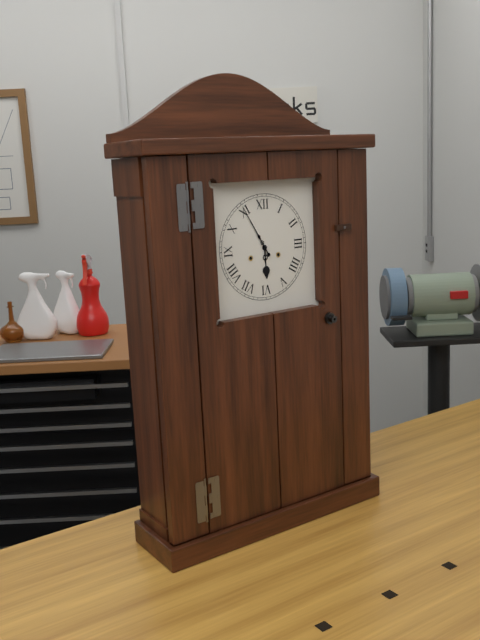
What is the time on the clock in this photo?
5:55
